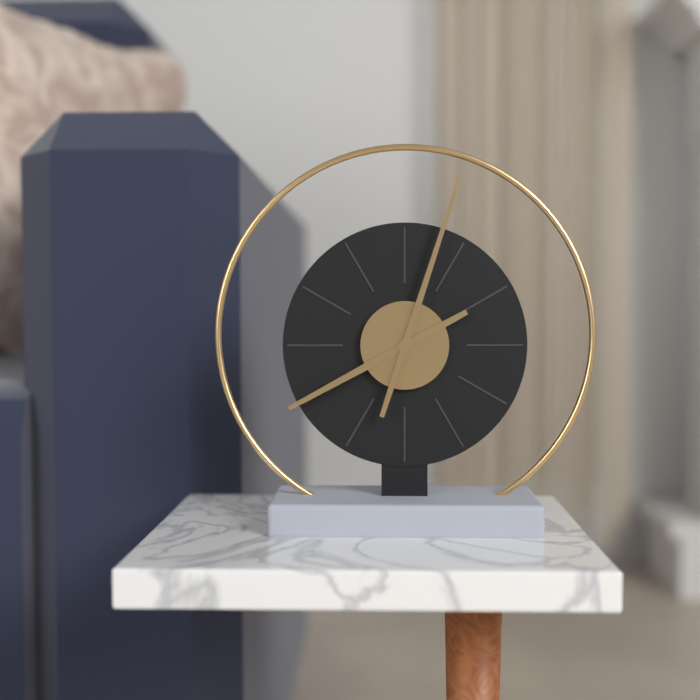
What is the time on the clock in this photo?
8:03
